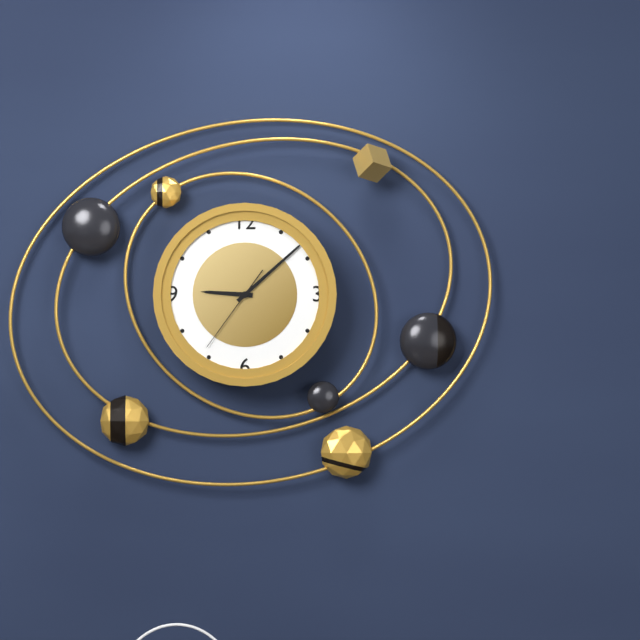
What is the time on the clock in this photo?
9:08:36
